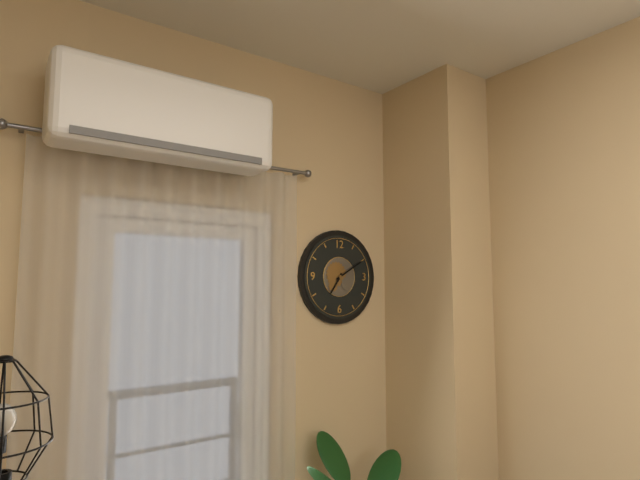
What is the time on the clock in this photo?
7:10
